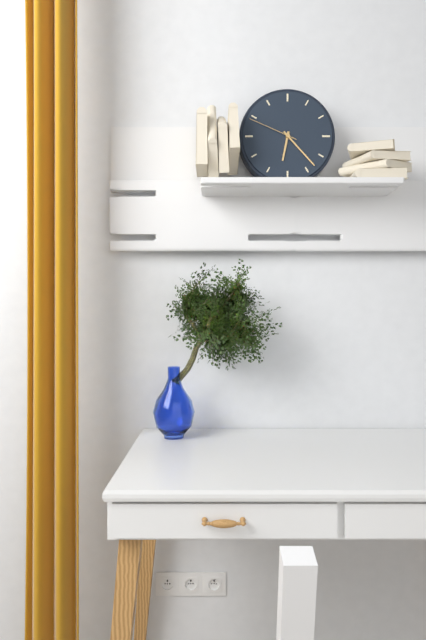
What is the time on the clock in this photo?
6:23:49
